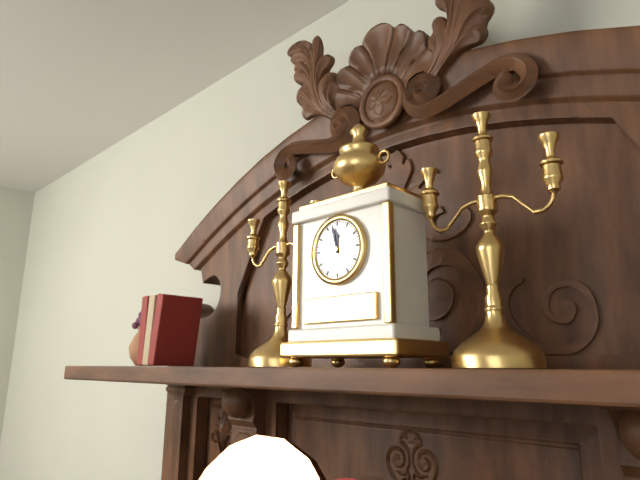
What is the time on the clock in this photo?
11:58
